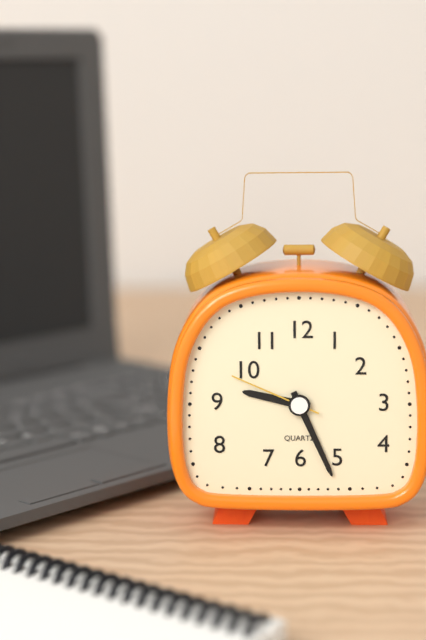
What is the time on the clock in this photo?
9:26:49
